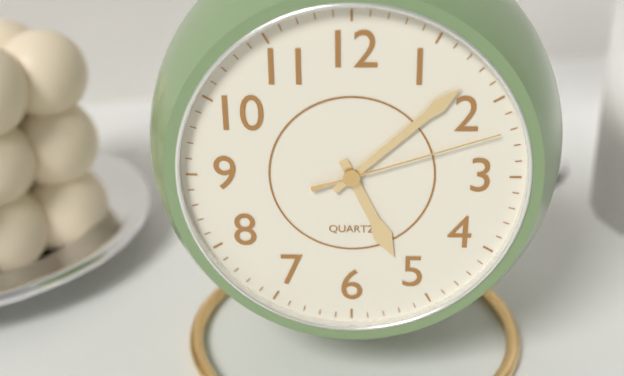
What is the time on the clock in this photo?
5:08:12
